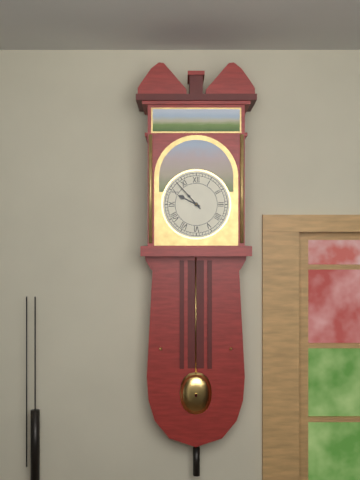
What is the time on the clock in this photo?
9:53
